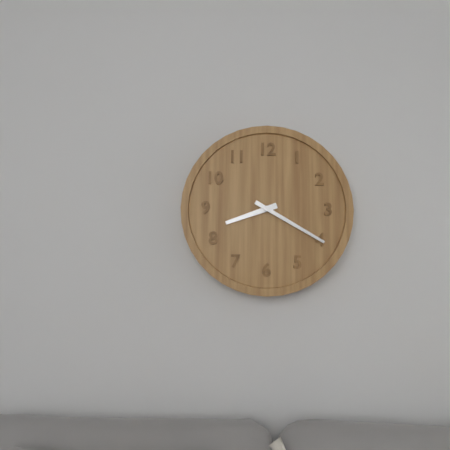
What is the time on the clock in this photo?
8:20
